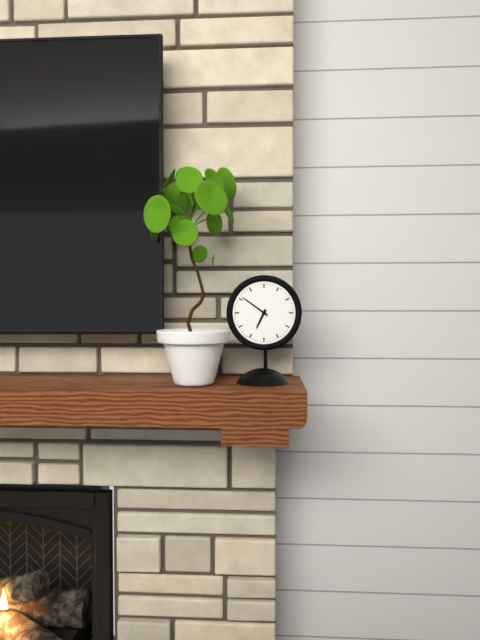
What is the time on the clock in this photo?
6:51
